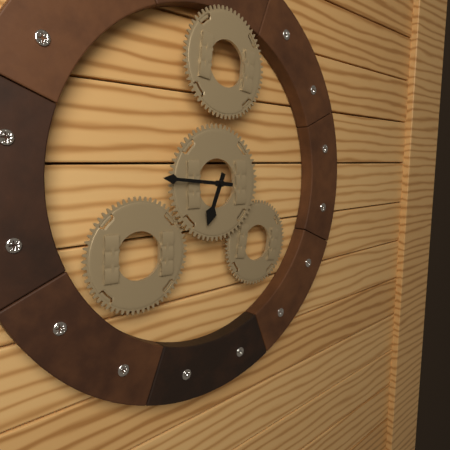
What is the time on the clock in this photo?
6:46
